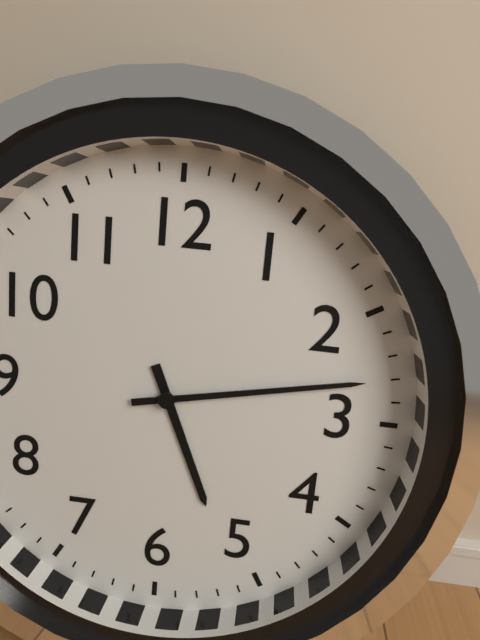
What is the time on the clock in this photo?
5:13
